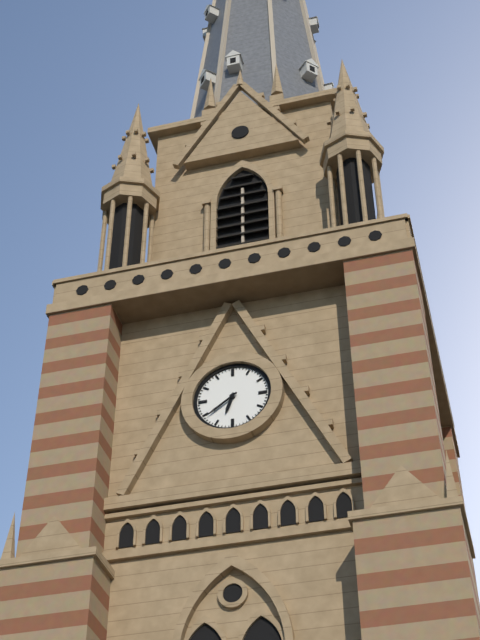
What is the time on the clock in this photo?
6:39
